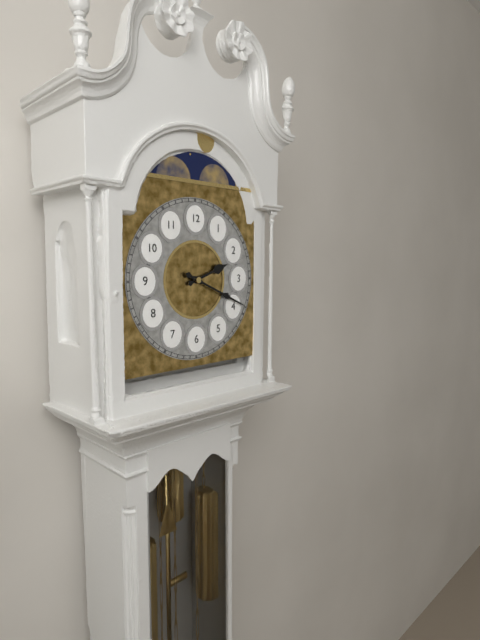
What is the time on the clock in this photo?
2:19
